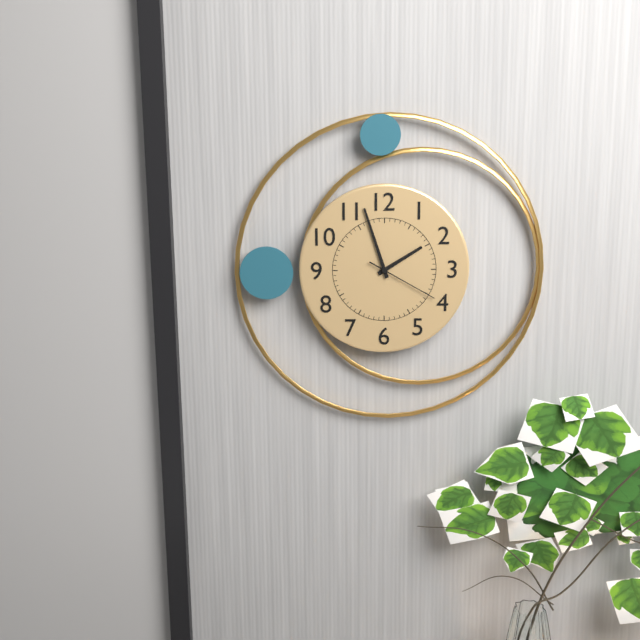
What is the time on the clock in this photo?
1:57:20
